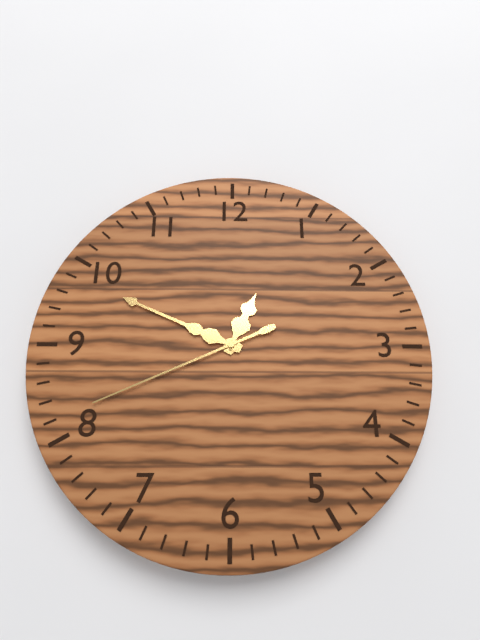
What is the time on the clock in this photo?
12:49:41
